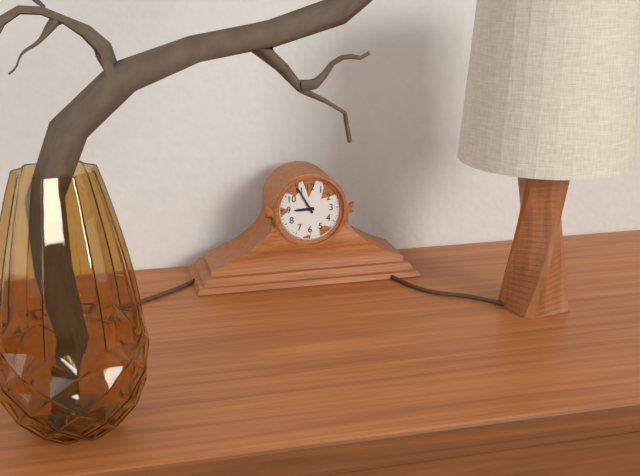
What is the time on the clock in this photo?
8:55
